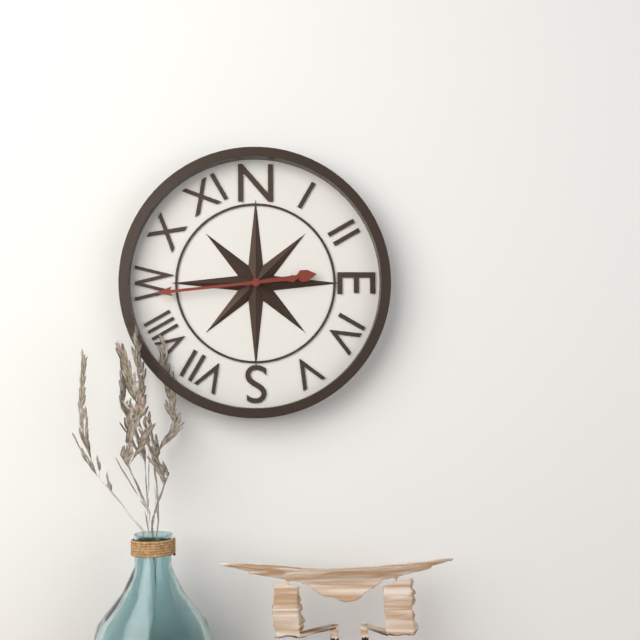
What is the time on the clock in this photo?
2:44
